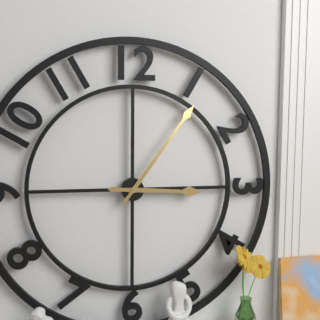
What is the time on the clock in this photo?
3:06
